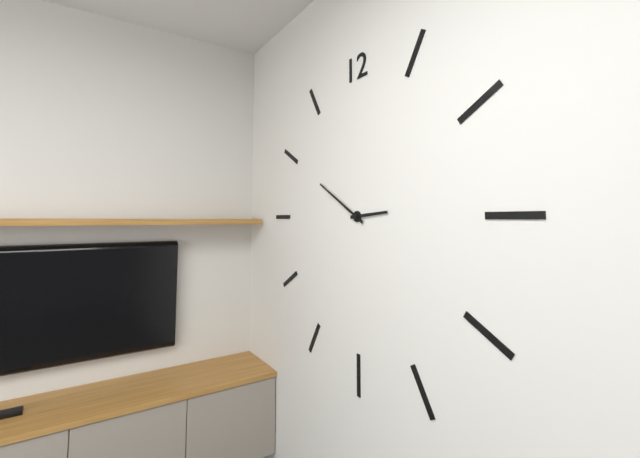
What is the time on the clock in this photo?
2:50
